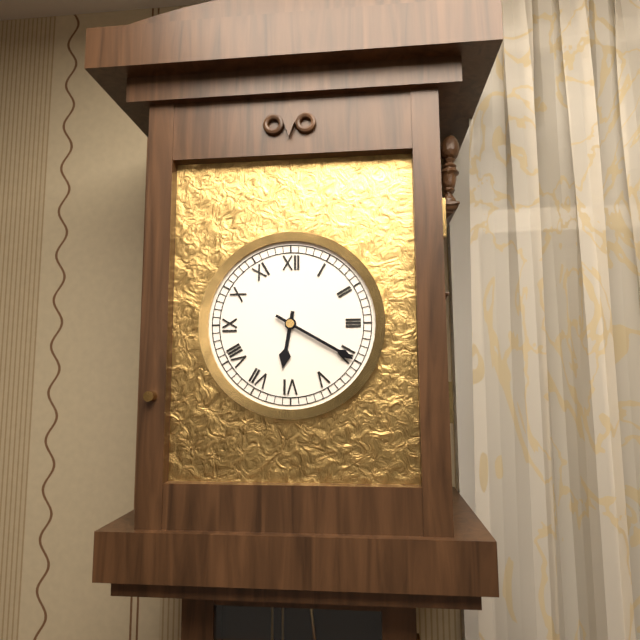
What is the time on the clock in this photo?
6:20
